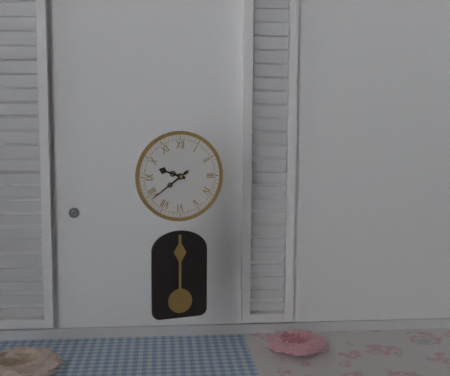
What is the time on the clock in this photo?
9:39
